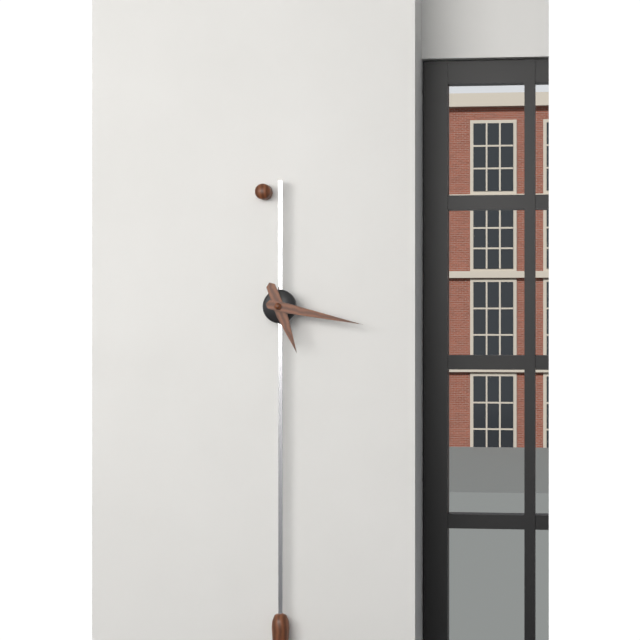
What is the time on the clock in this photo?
5:17
